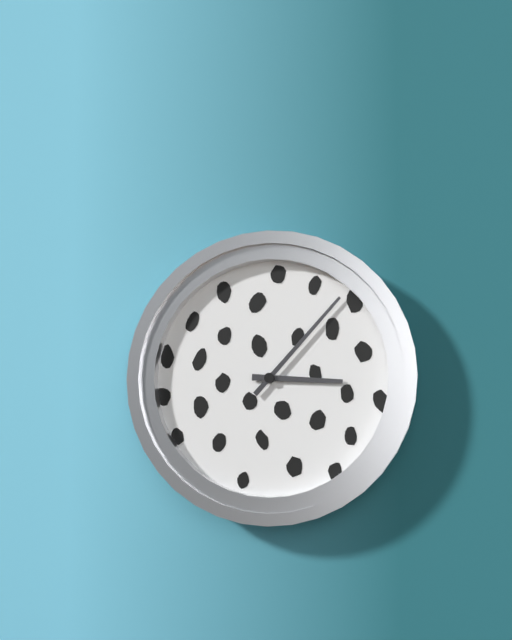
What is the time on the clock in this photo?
3:07
